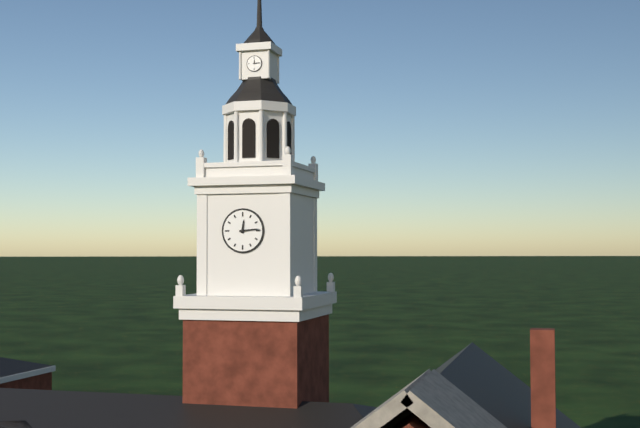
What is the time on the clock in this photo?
12:14
